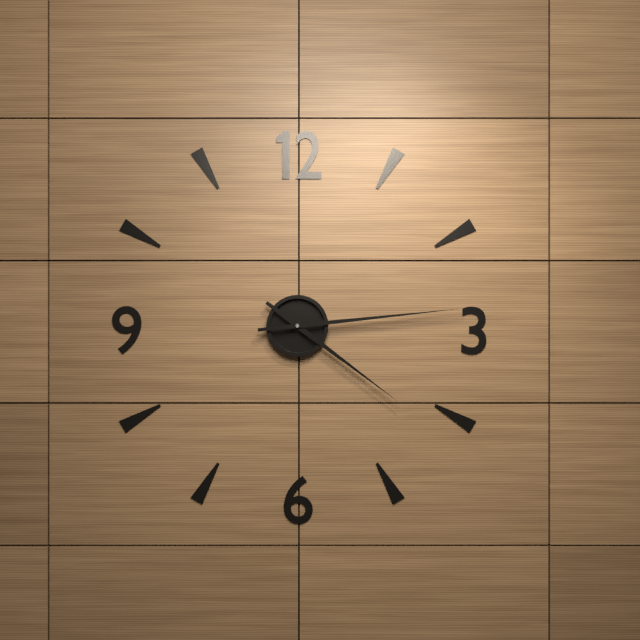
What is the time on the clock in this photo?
4:14
